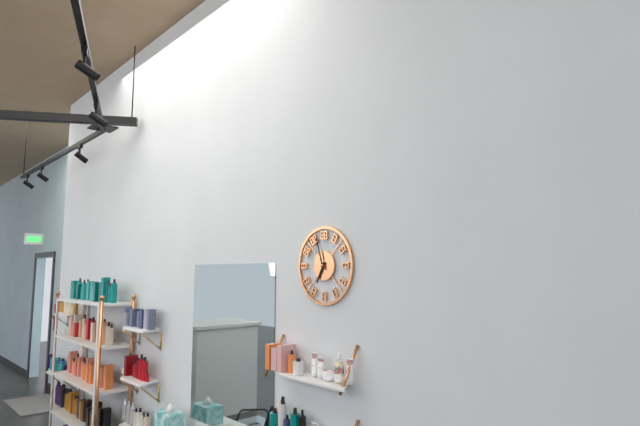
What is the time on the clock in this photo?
6:57
